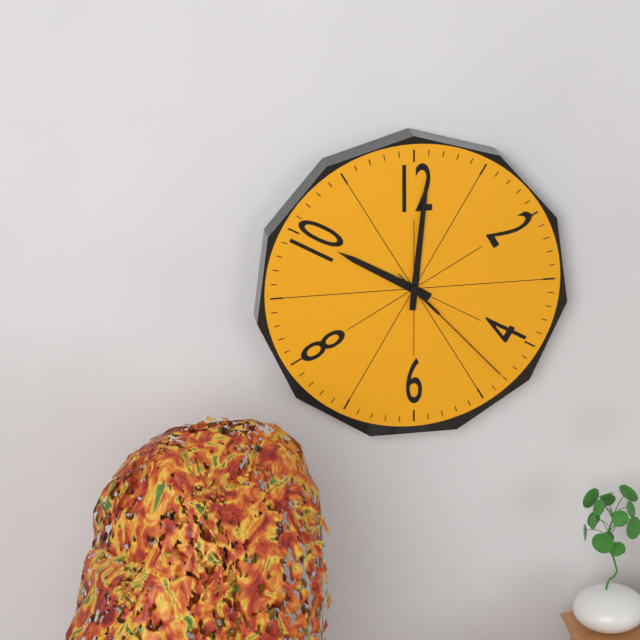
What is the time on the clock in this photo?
10:01:23
